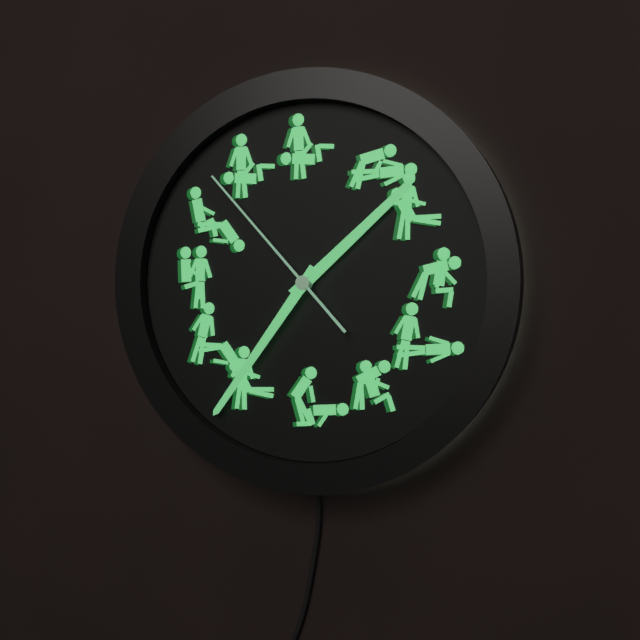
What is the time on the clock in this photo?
1:36:53
